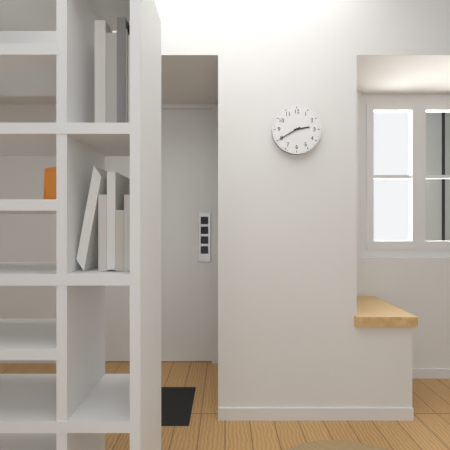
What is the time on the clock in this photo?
2:40
